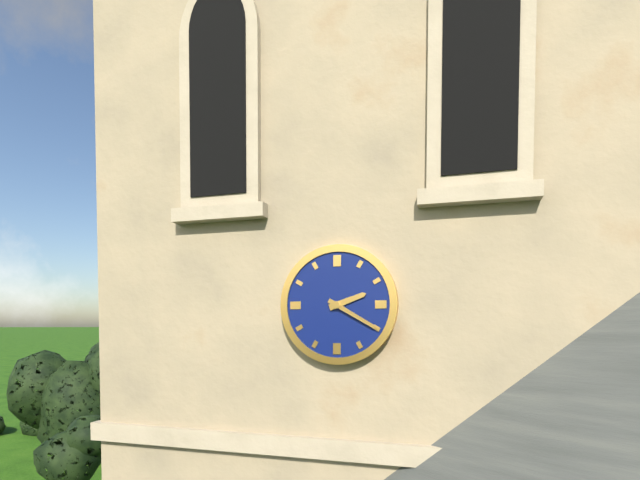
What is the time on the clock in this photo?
2:20
